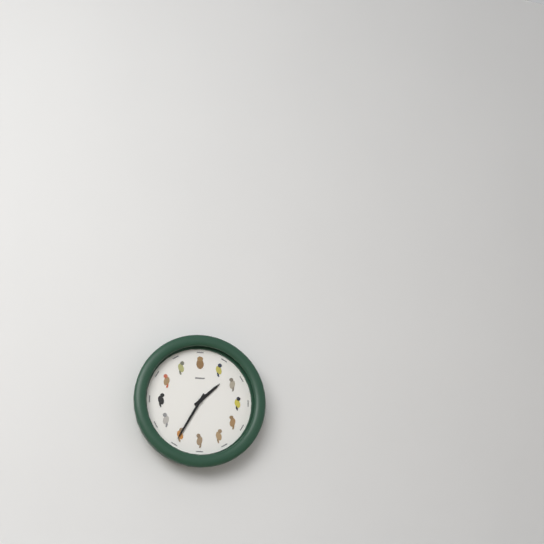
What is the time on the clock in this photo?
1:35
